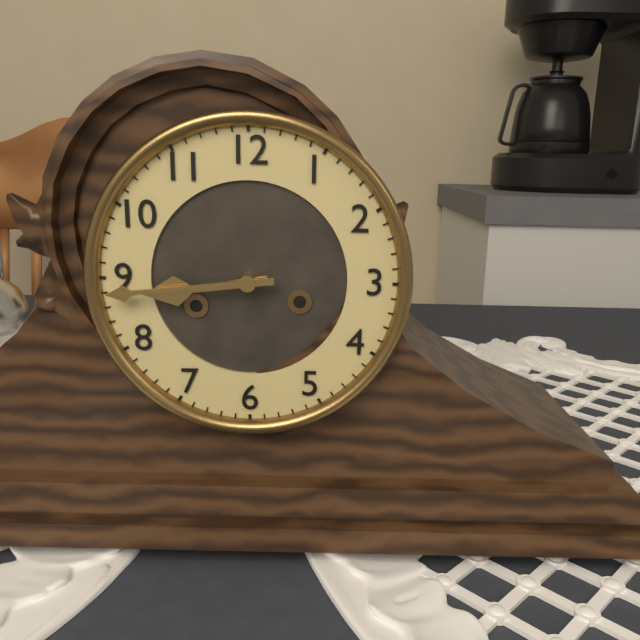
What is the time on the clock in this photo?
8:44
